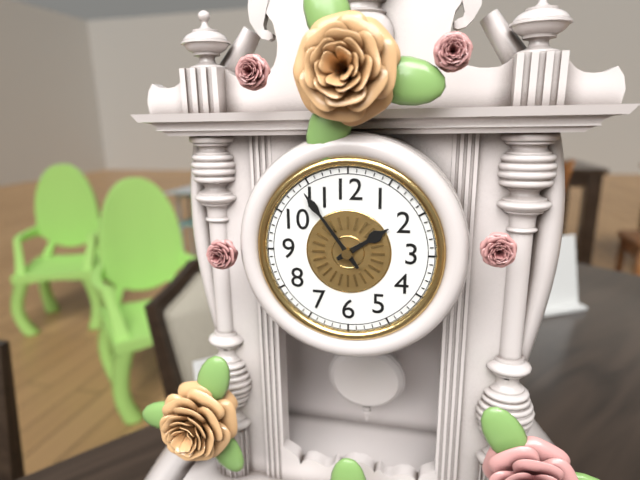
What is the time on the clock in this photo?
1:54
